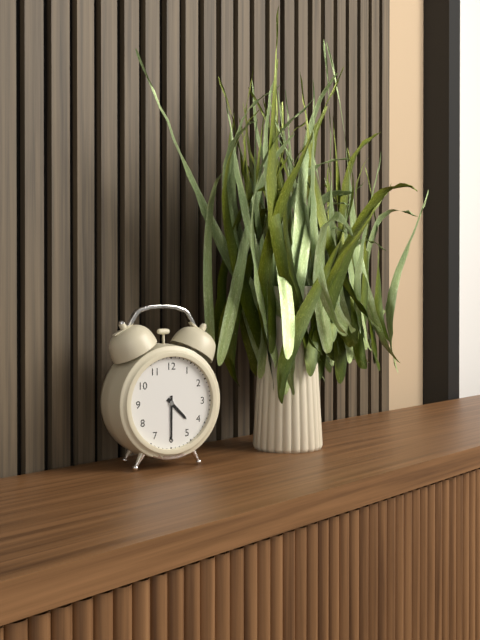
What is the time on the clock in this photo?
4:30
